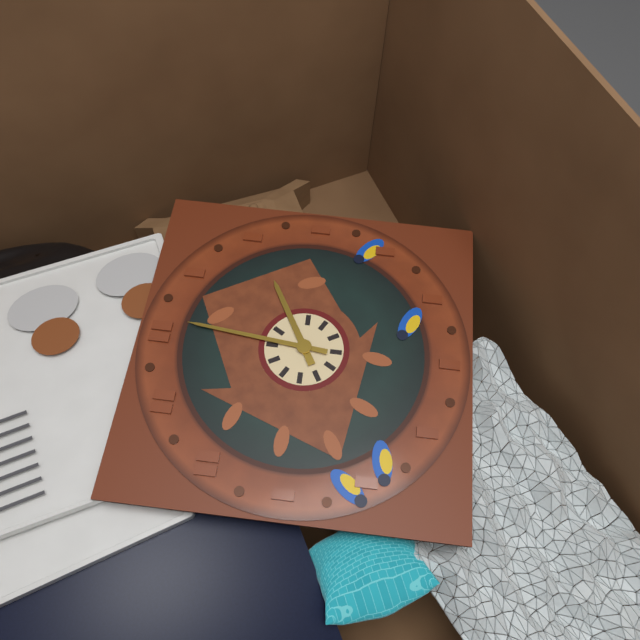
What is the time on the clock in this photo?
2:01
